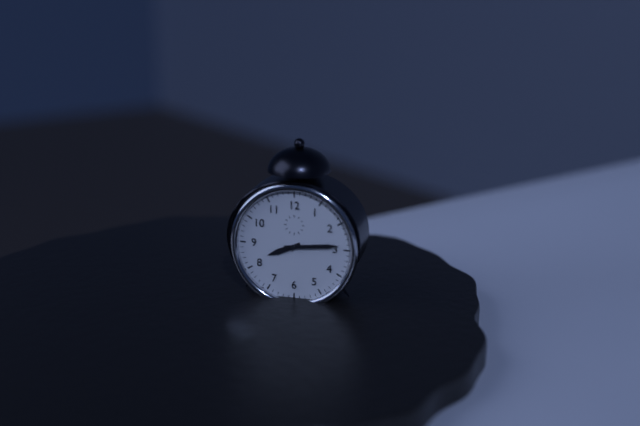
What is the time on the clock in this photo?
8:14
